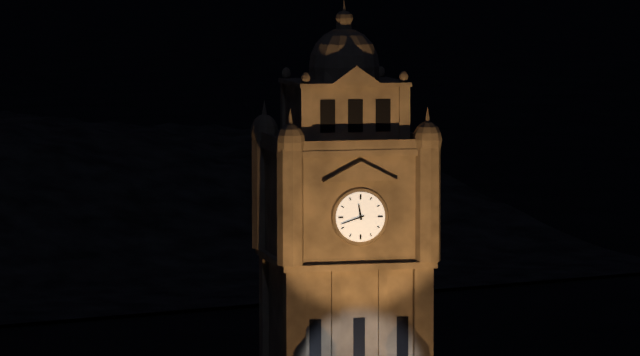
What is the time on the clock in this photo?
11:42
